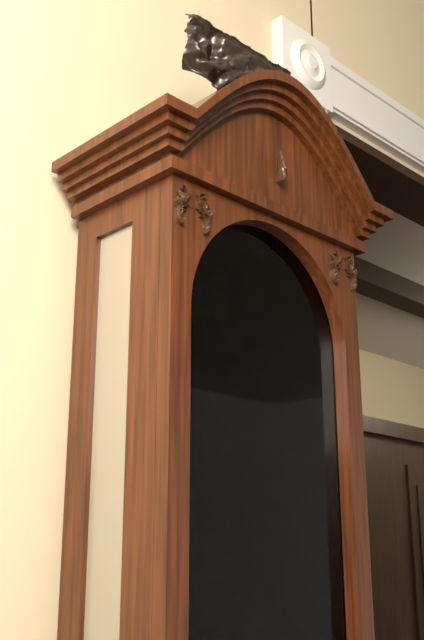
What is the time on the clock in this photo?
1:27
